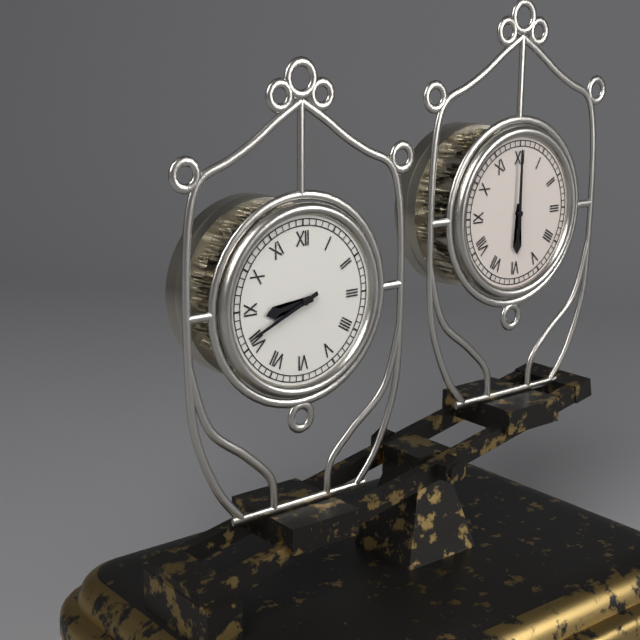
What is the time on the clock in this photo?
8:41
